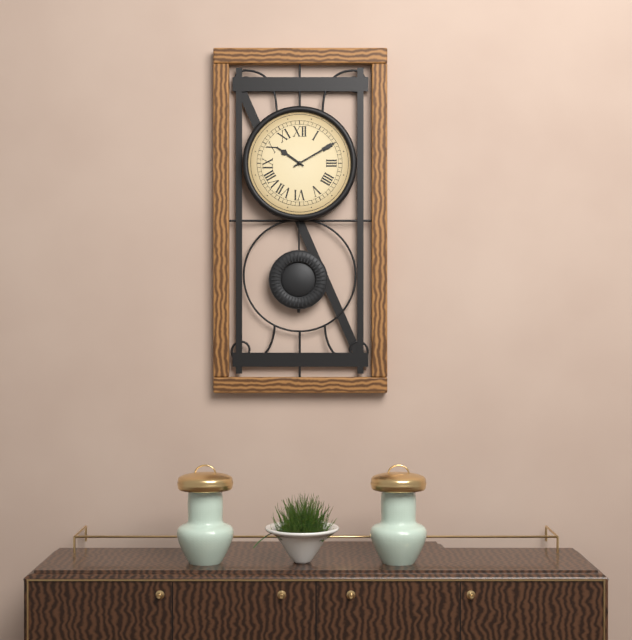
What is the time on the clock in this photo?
10:10
